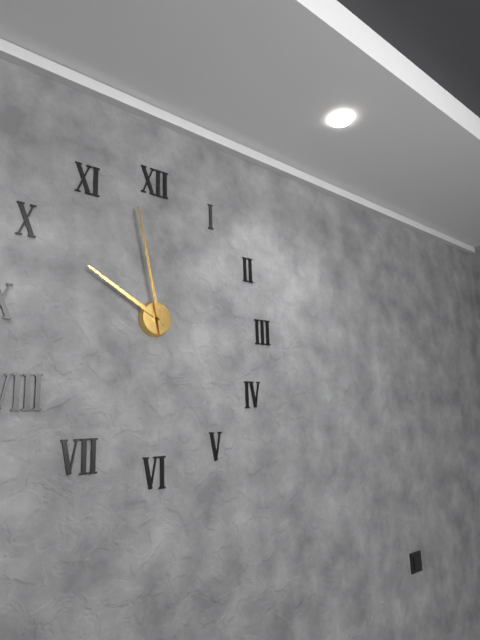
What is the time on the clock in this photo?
9:58
